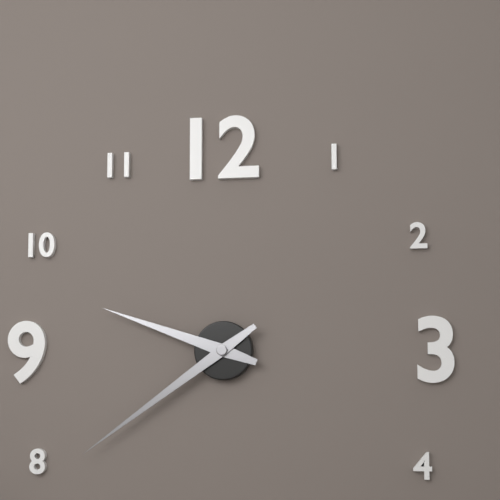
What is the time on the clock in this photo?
9:39
